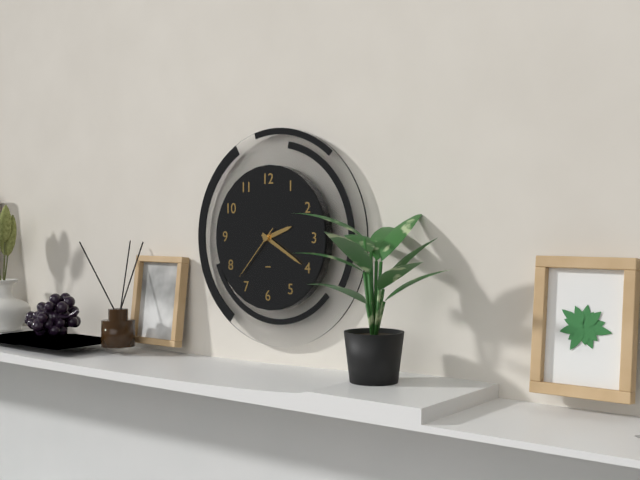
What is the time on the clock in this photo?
2:20:37
